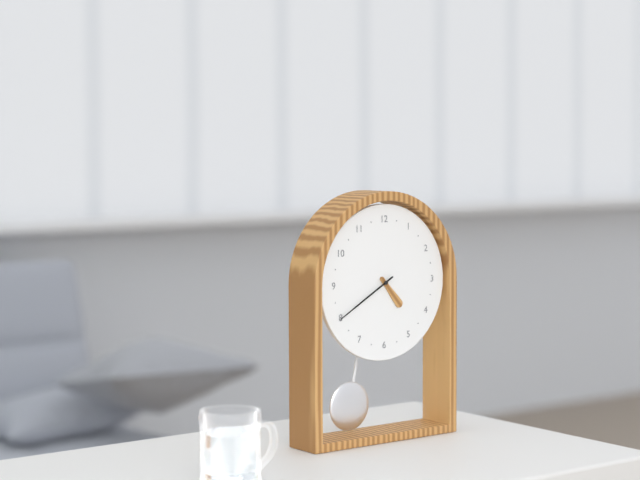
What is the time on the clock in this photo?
4:40
